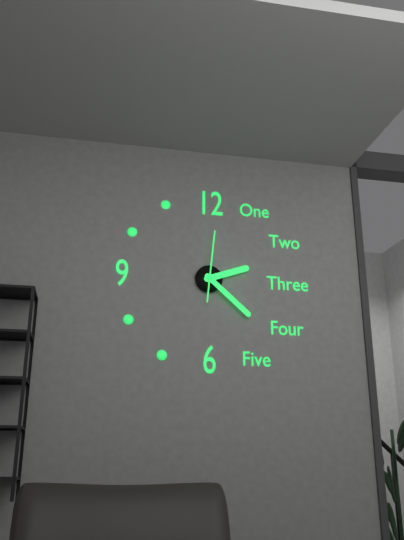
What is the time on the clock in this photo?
2:22:01
